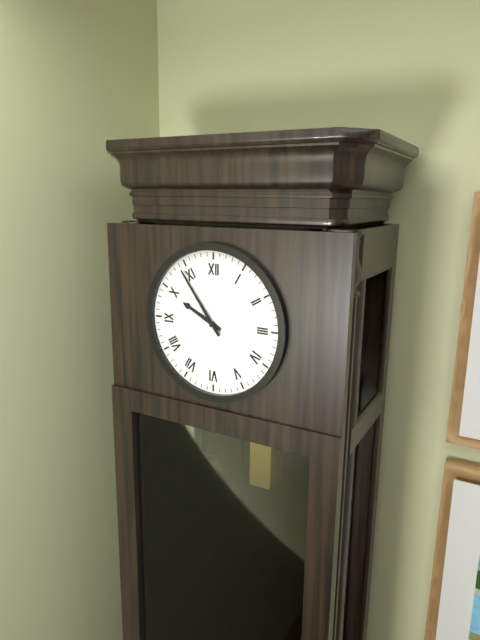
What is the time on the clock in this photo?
9:54
